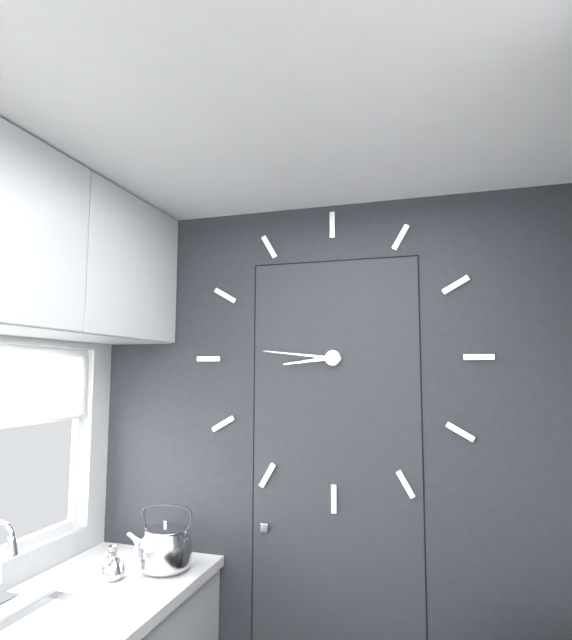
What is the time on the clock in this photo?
8:46
